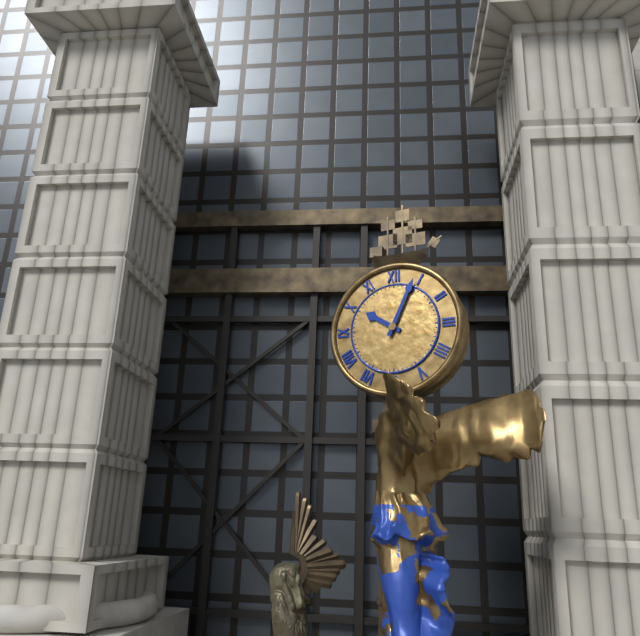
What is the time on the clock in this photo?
10:04
